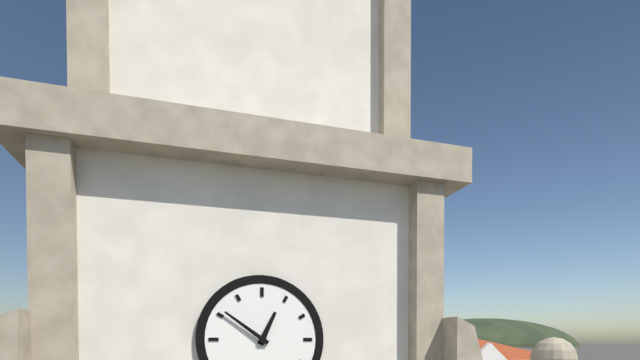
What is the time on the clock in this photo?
12:51
